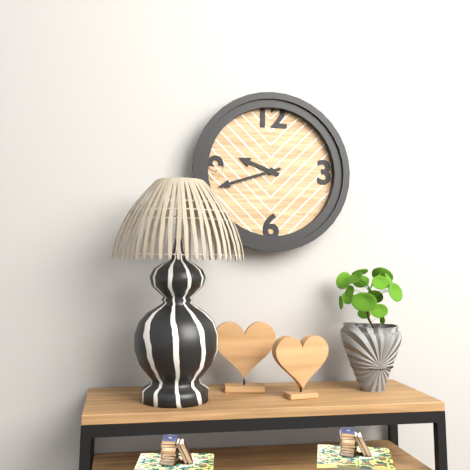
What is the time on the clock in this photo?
9:42
